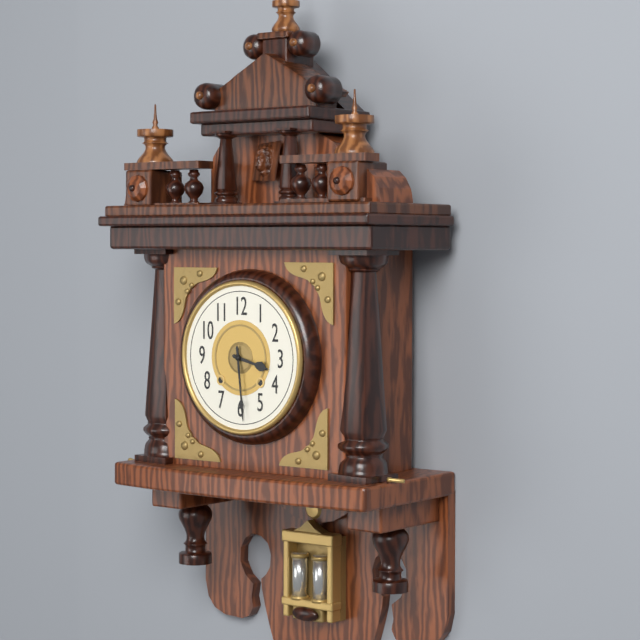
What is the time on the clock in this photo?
3:29
